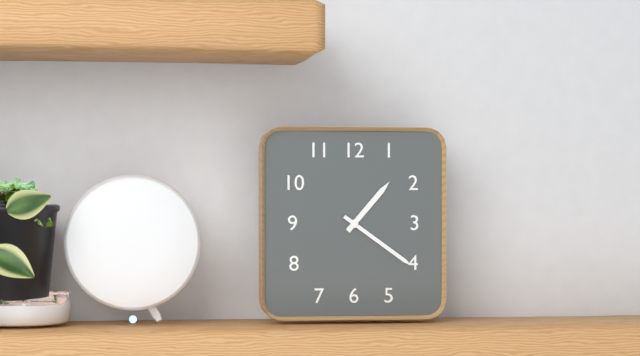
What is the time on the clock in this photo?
1:21
